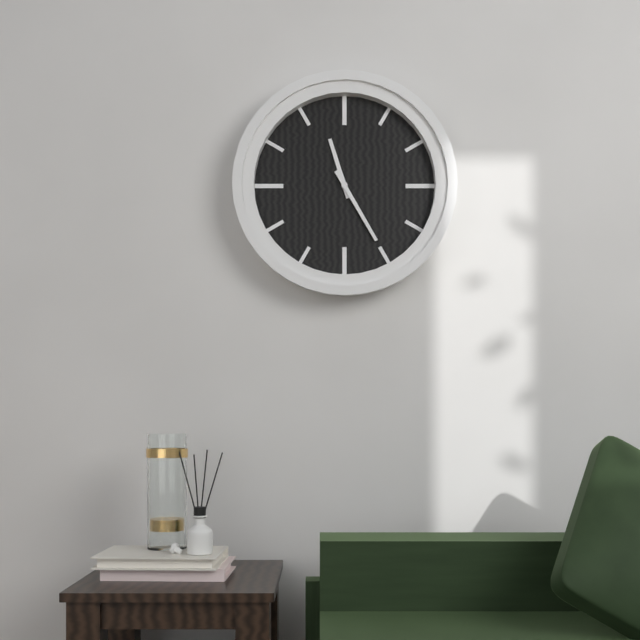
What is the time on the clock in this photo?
11:25
